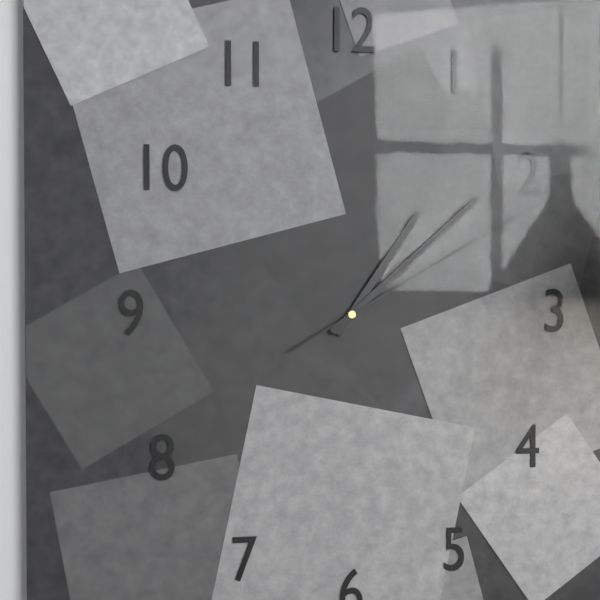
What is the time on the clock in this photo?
1:08:10
